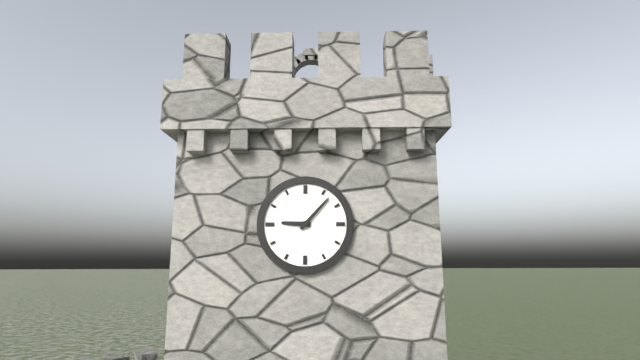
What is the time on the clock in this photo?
9:07
